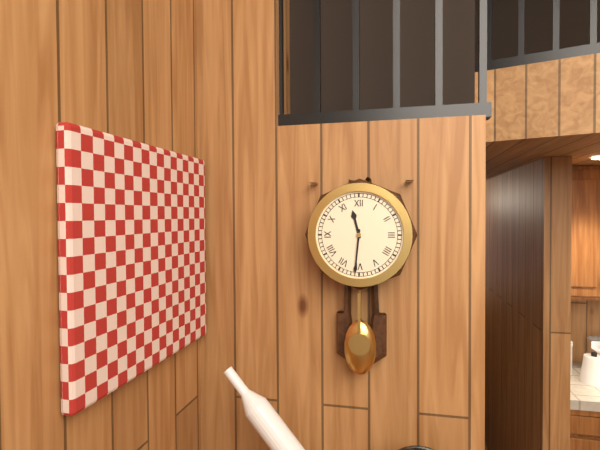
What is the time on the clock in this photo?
11:31
